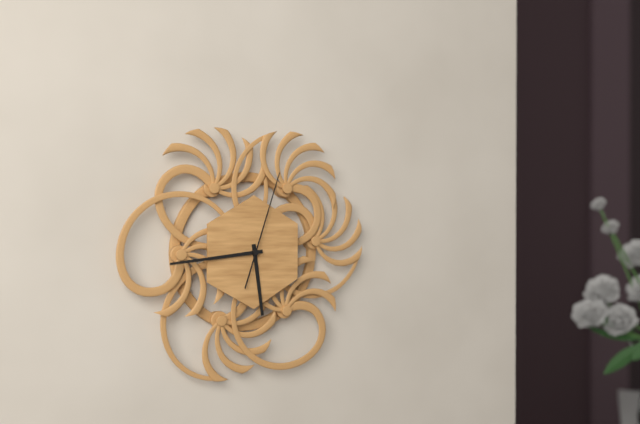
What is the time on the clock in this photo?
5:44:03
